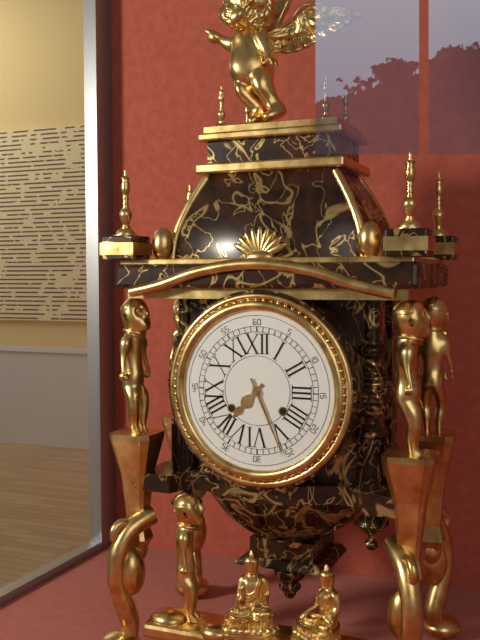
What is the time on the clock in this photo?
7:26
